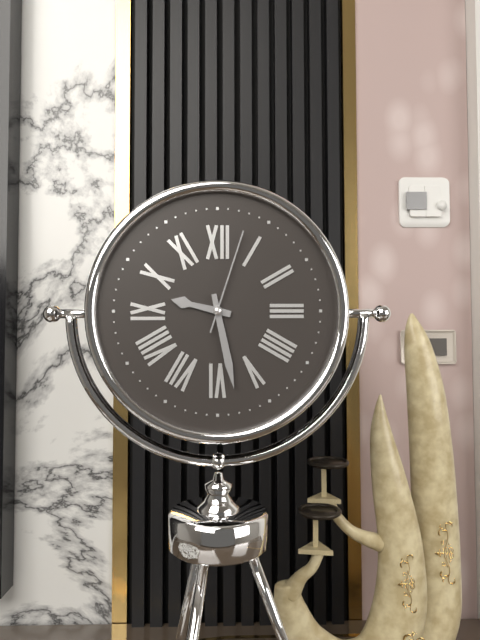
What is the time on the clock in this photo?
9:28:03
